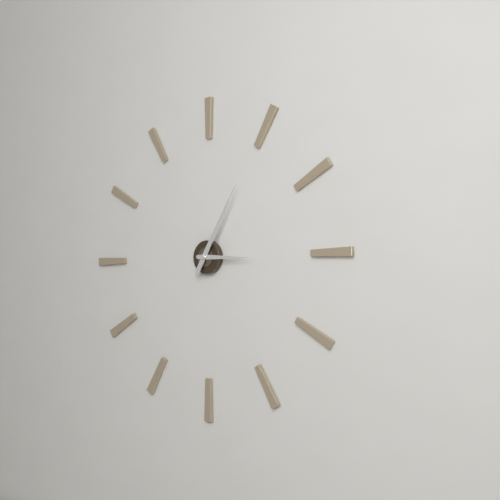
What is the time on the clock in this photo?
3:05
